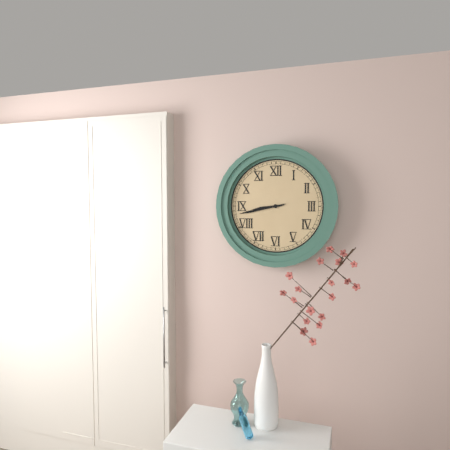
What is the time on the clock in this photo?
8:43
